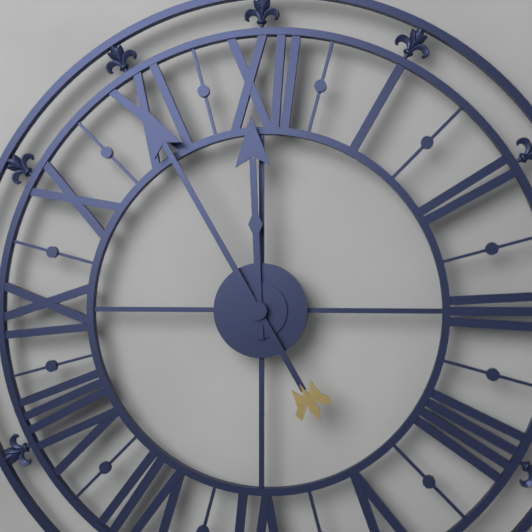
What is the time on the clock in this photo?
11:55
